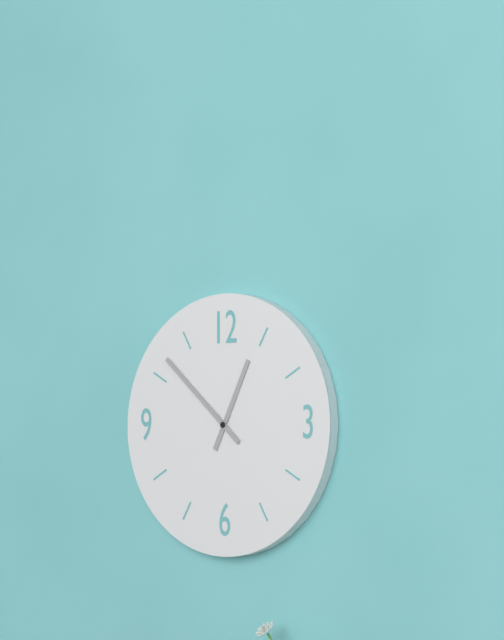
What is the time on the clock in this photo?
12:52
